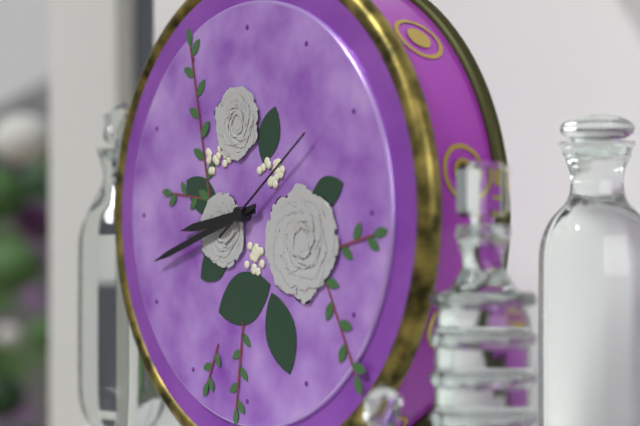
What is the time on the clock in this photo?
8:42:09
